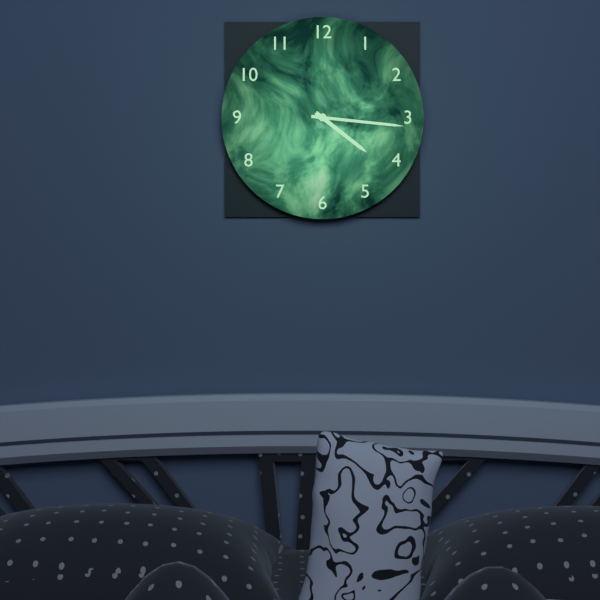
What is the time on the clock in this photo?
4:16
